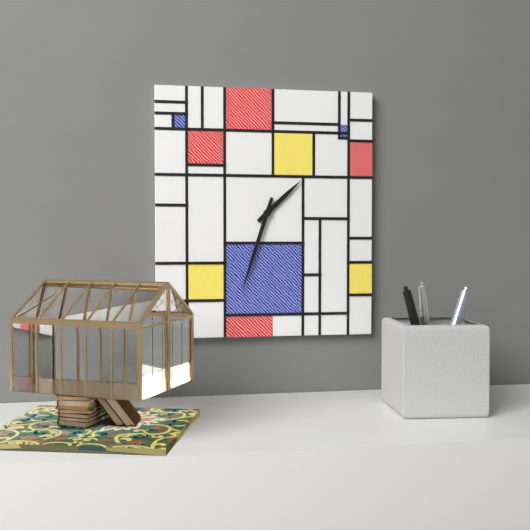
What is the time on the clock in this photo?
1:33
